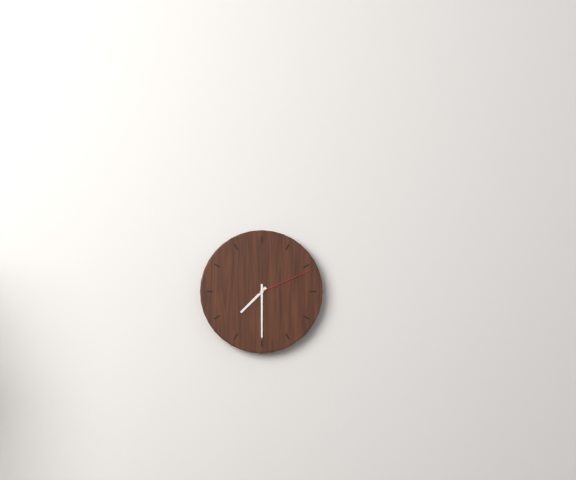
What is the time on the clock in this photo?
7:30:11
